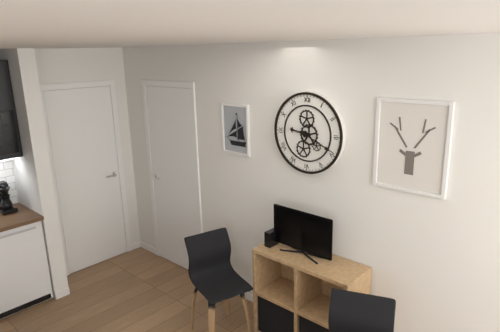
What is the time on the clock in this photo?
9:19
